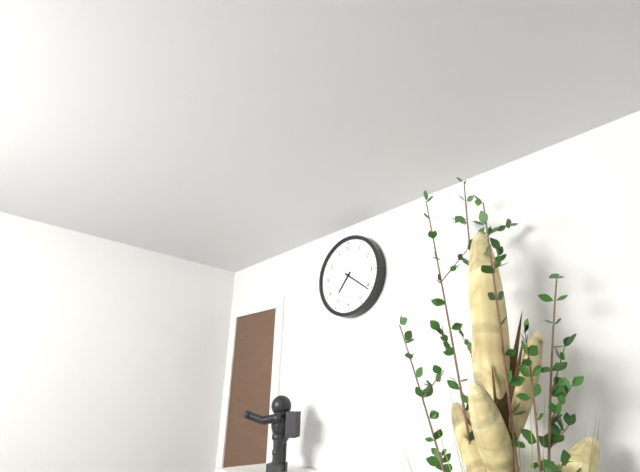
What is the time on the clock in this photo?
7:21
